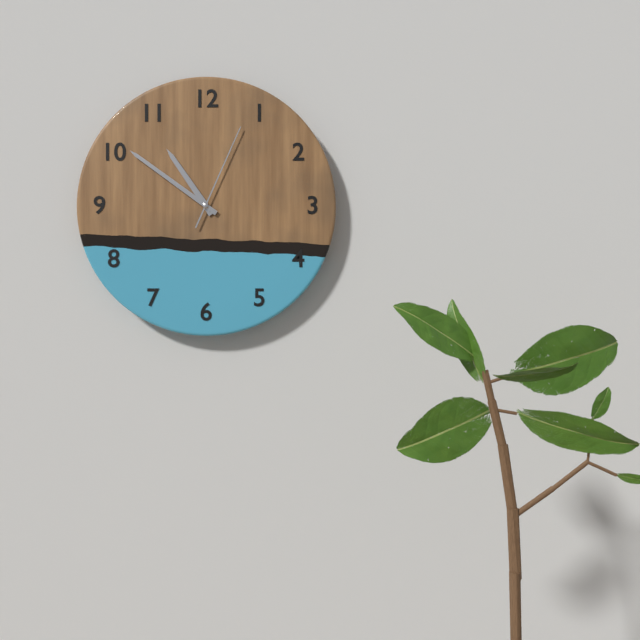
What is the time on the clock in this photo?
10:51:04
